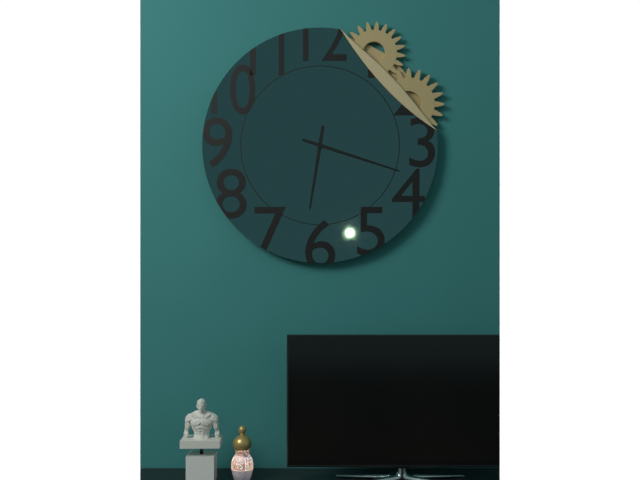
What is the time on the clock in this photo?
6:18
